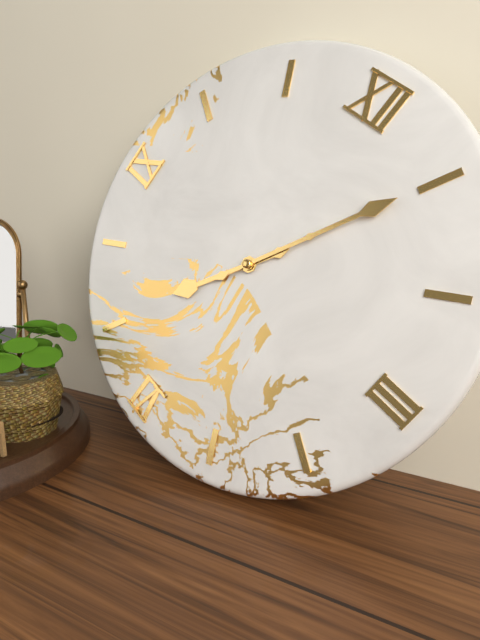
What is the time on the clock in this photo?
7:05
